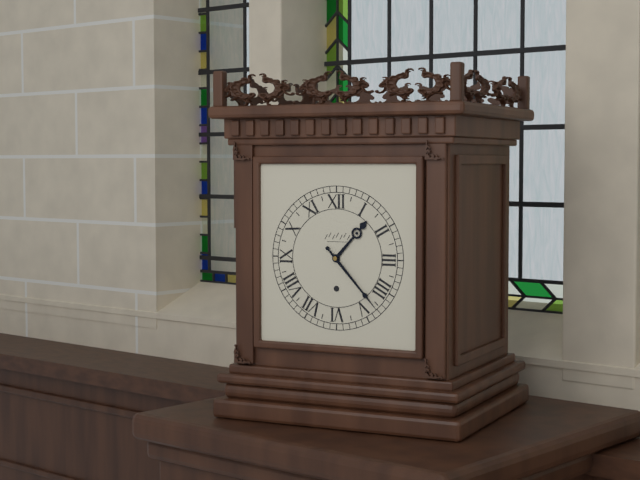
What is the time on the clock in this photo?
1:23
